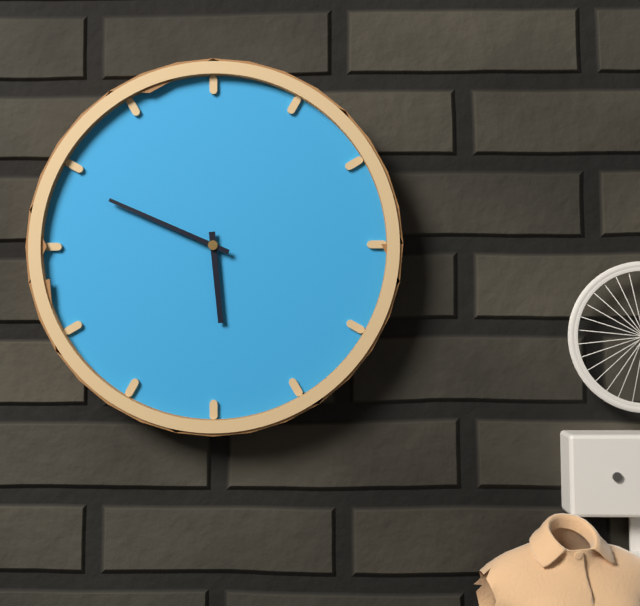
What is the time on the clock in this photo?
5:49
